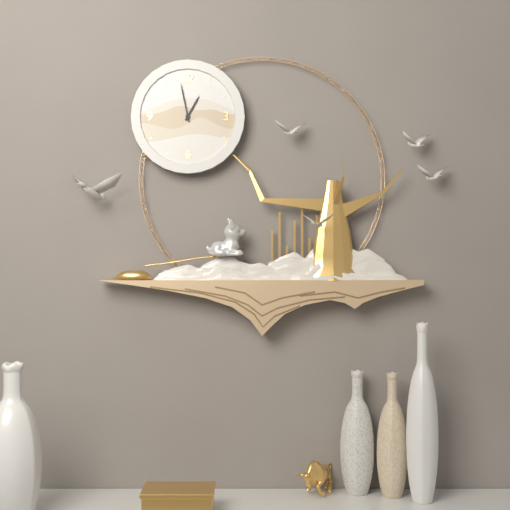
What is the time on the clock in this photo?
12:58
